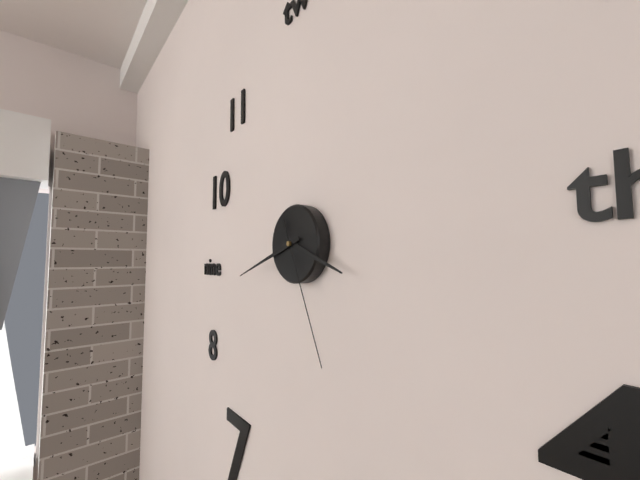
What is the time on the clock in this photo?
3:42:26
